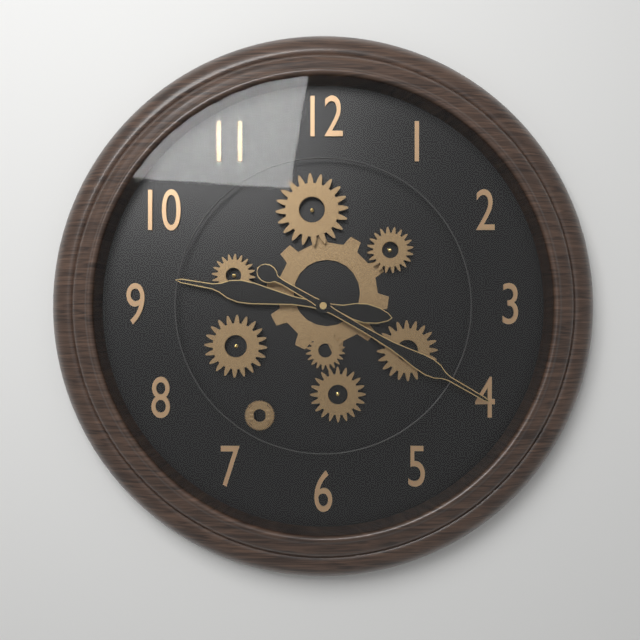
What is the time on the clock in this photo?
9:20
